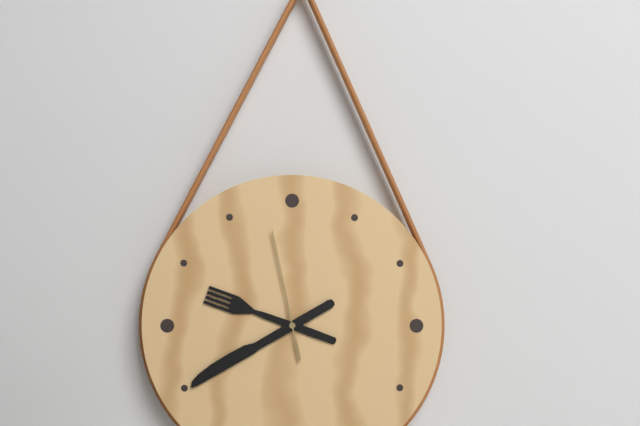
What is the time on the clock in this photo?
9:40:58
